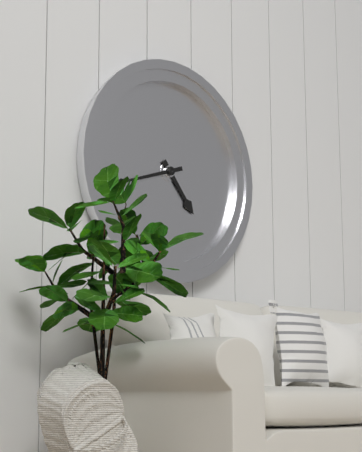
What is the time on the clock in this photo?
4:42
